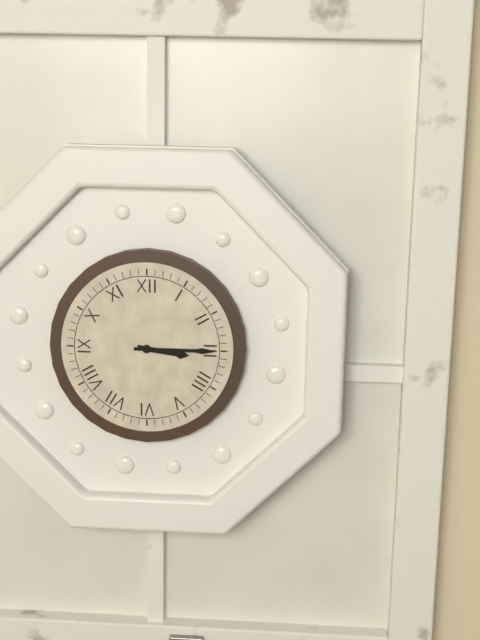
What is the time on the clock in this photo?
3:15
